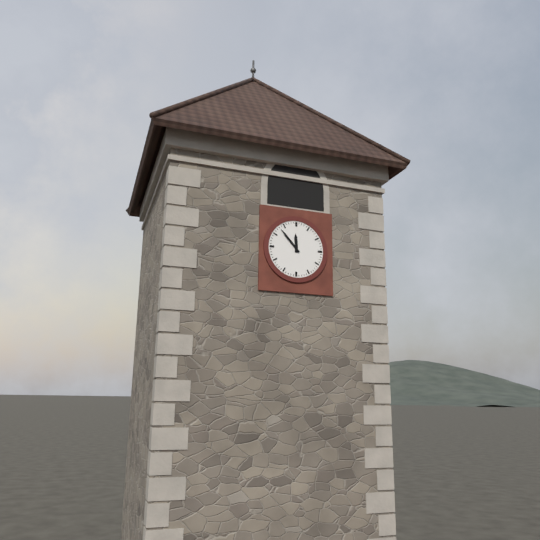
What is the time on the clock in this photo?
11:53
